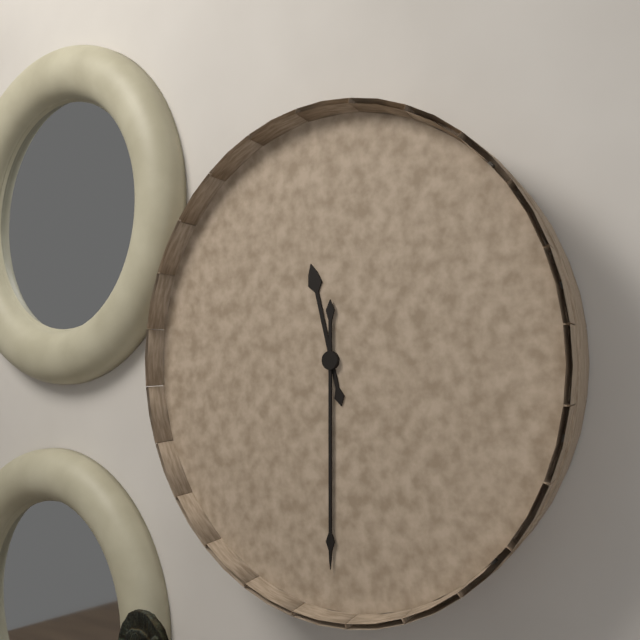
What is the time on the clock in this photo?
11:30
